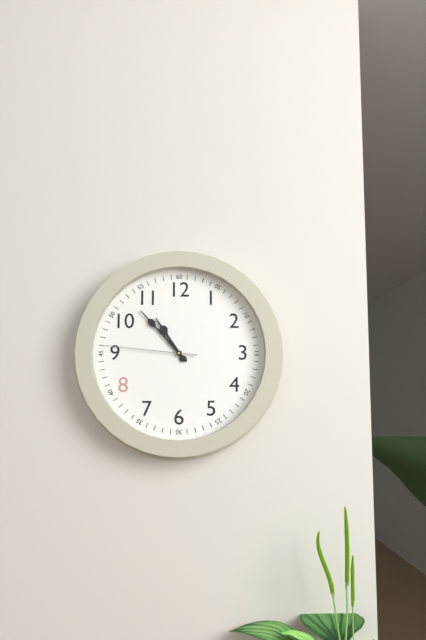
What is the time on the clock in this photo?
10:53:46
